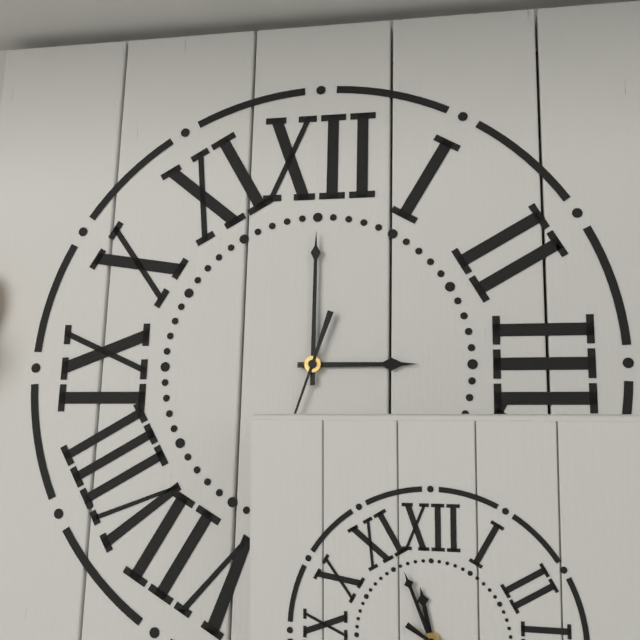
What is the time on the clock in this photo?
3:00
